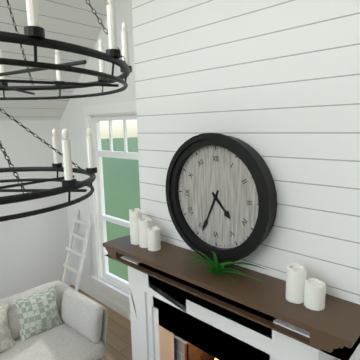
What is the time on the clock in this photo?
4:34
